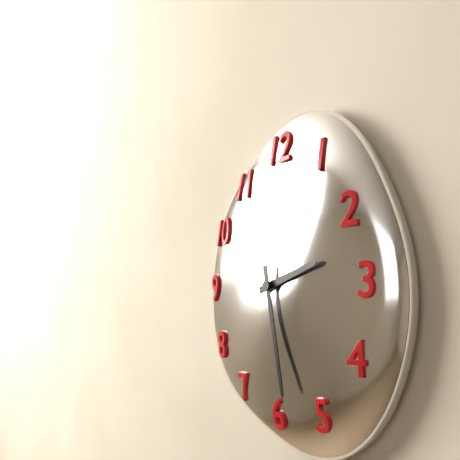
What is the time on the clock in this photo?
2:28
